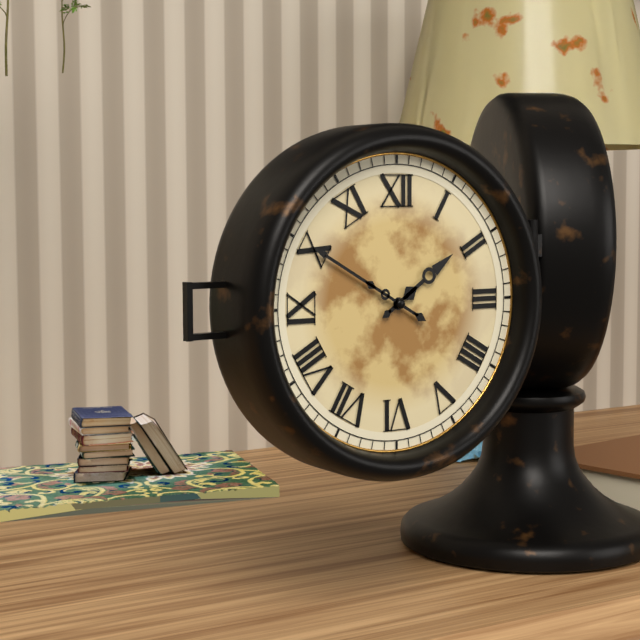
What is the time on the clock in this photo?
1:50
